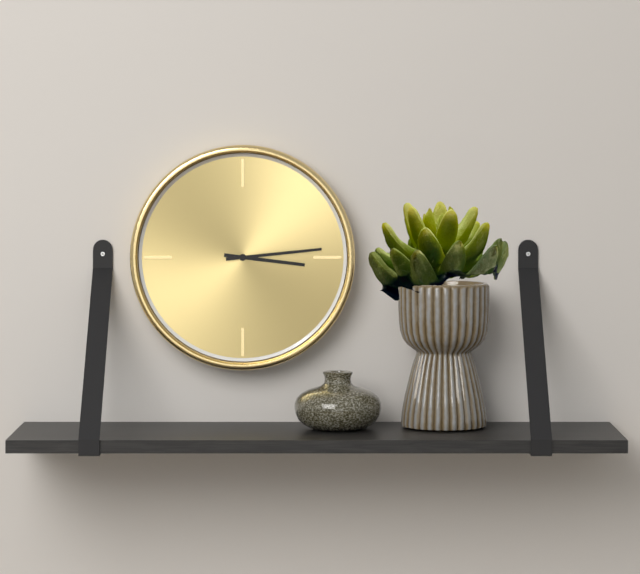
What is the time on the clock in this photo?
3:14
